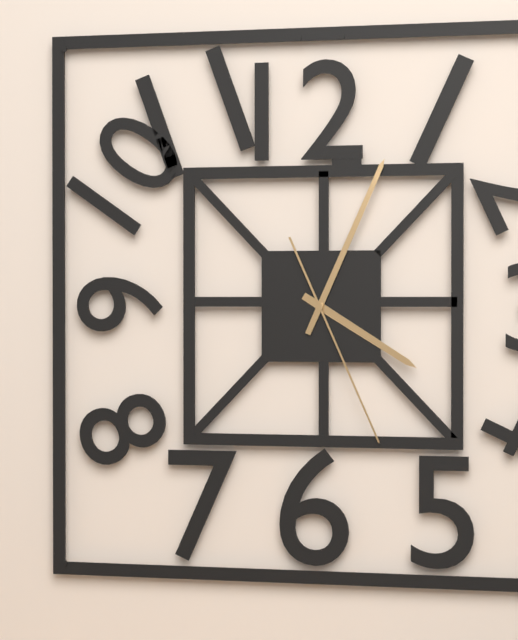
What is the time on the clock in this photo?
4:04:26
